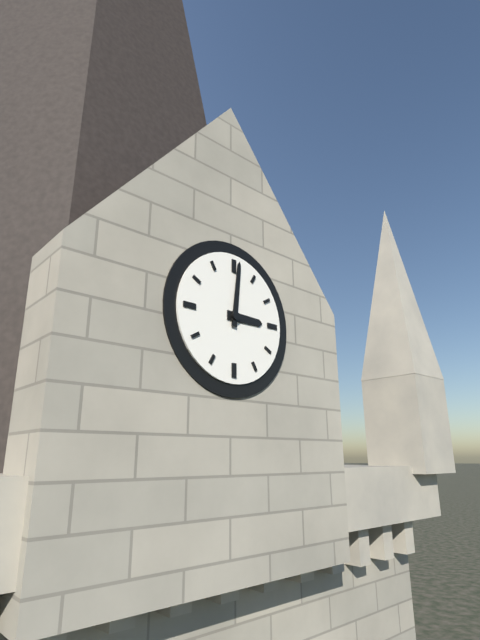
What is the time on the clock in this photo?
3:01
